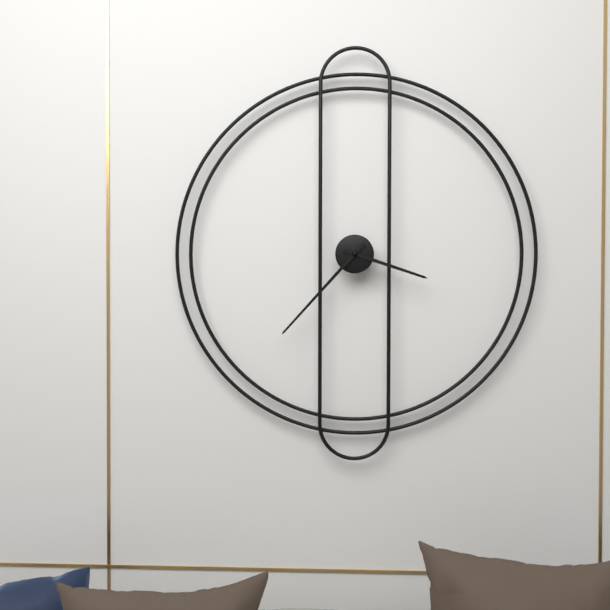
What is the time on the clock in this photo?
3:37
